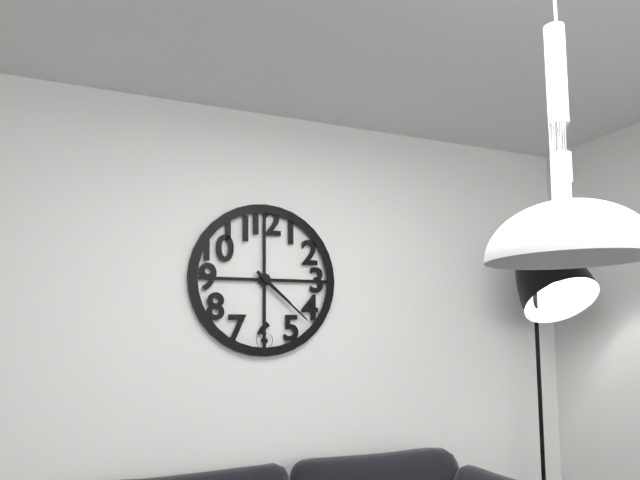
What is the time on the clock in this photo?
4:22
